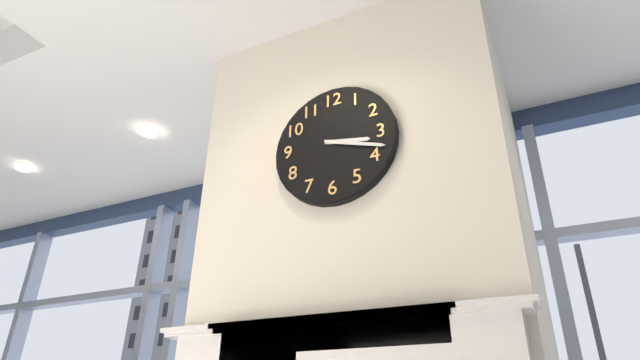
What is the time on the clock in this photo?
3:18
